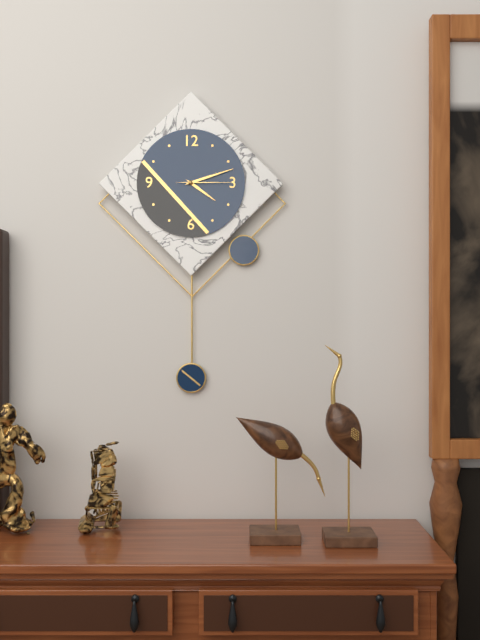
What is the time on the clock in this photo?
4:12:15
